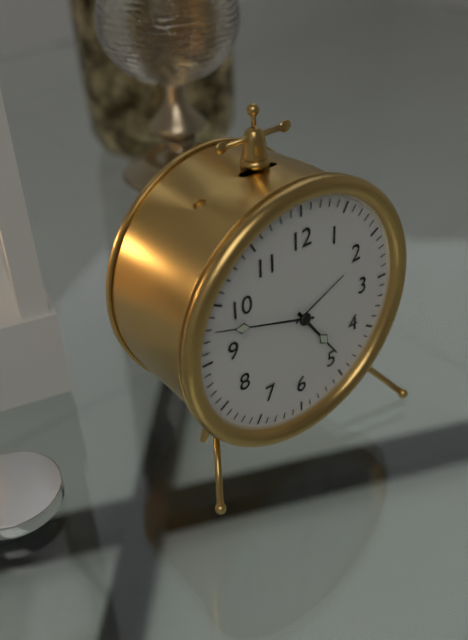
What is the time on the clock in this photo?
4:48
